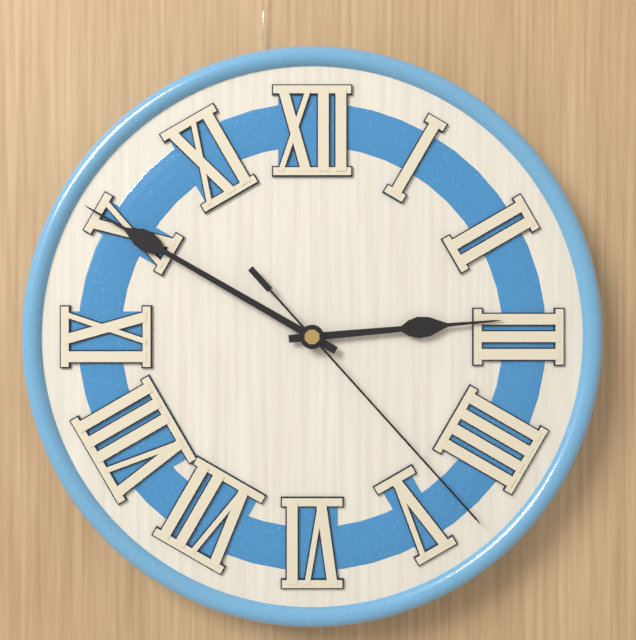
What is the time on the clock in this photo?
2:50:23
